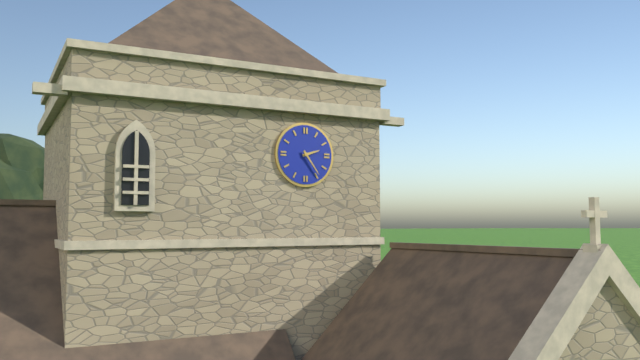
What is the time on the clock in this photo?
2:24
